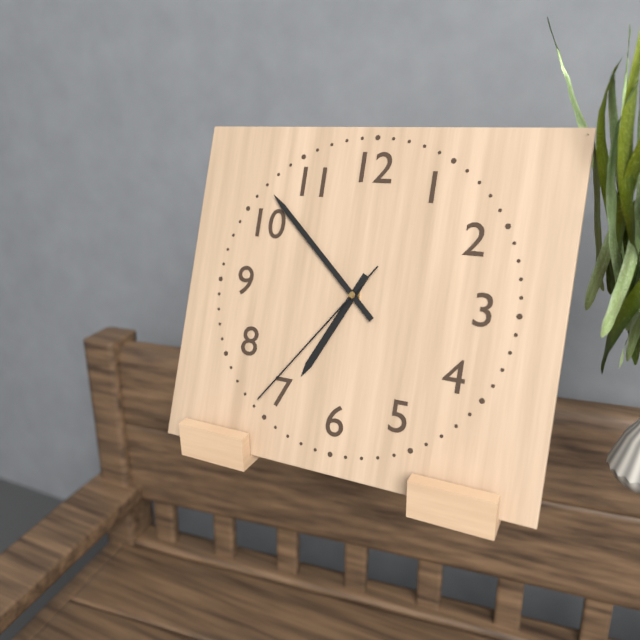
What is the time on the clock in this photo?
6:52:36
